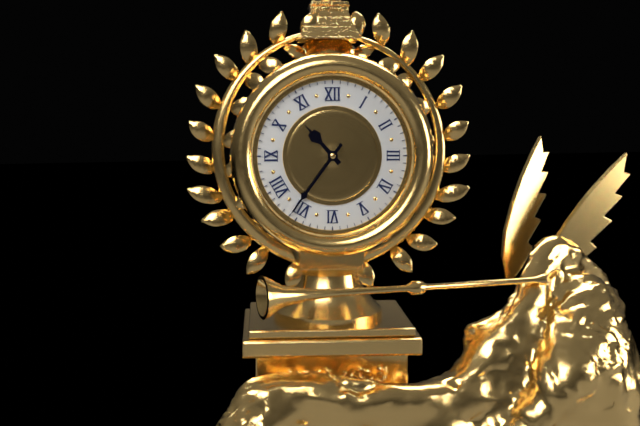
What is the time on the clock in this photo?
10:36
